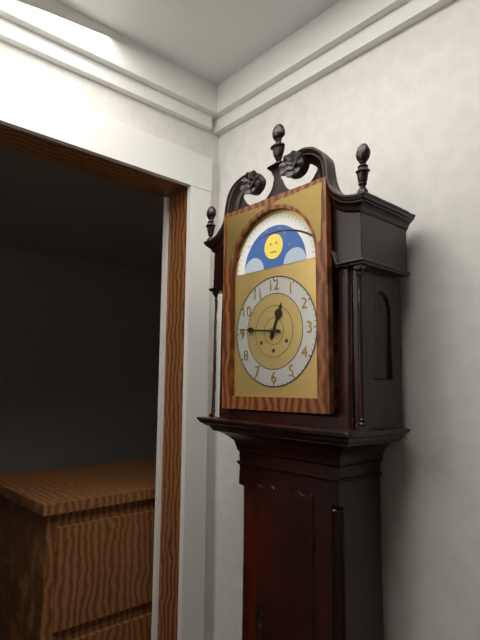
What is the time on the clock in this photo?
12:46
